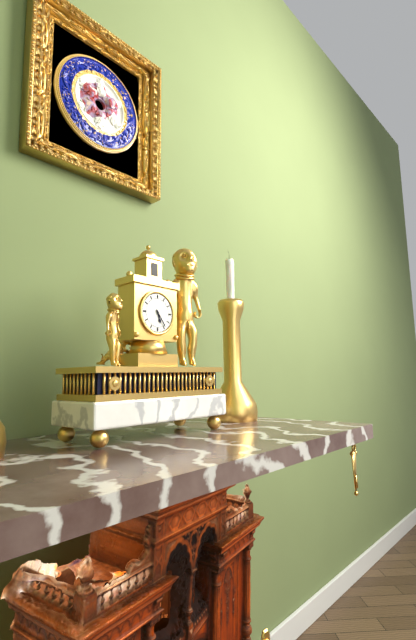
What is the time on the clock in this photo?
5:24
